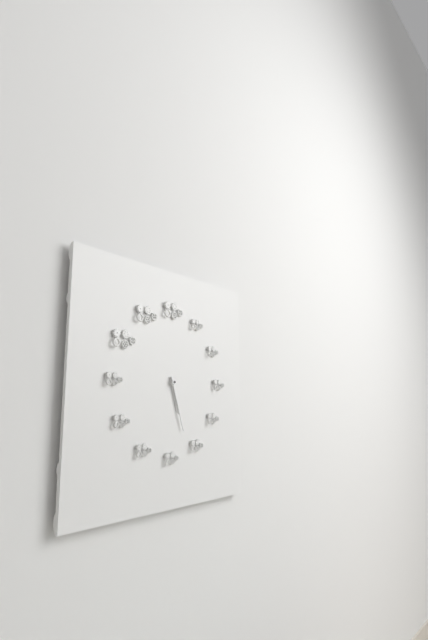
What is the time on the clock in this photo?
5:27
